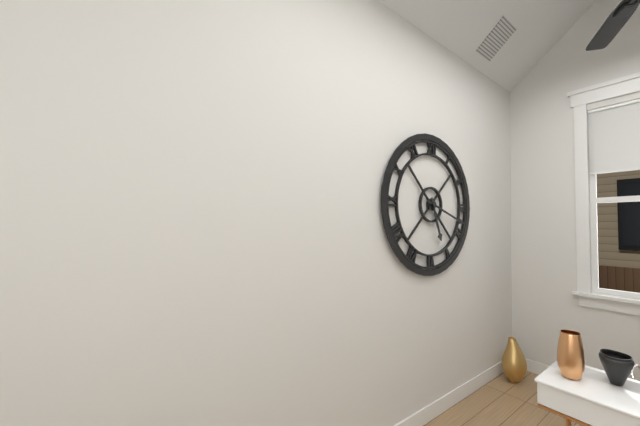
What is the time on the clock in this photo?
5:18
